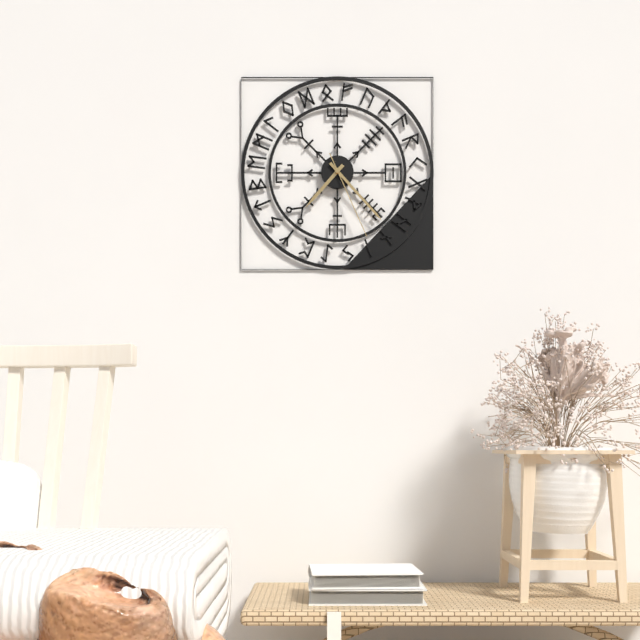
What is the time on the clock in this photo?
7:23:26
